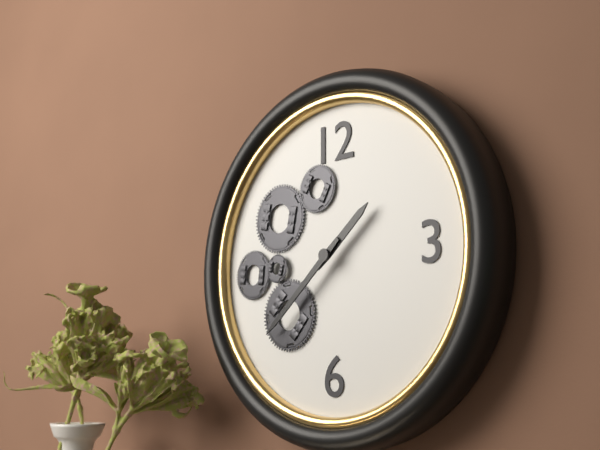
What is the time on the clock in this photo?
1:38
